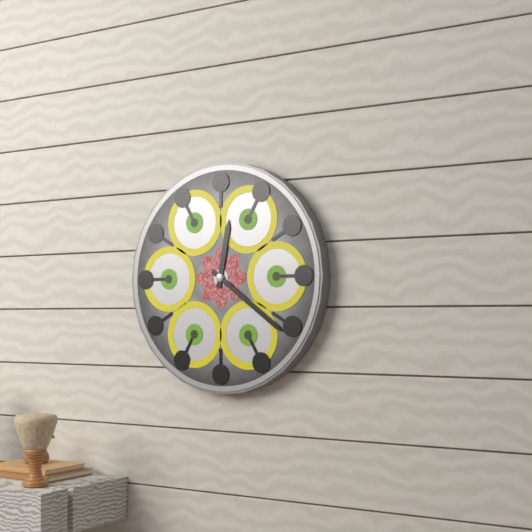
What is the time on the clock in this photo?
12:21
